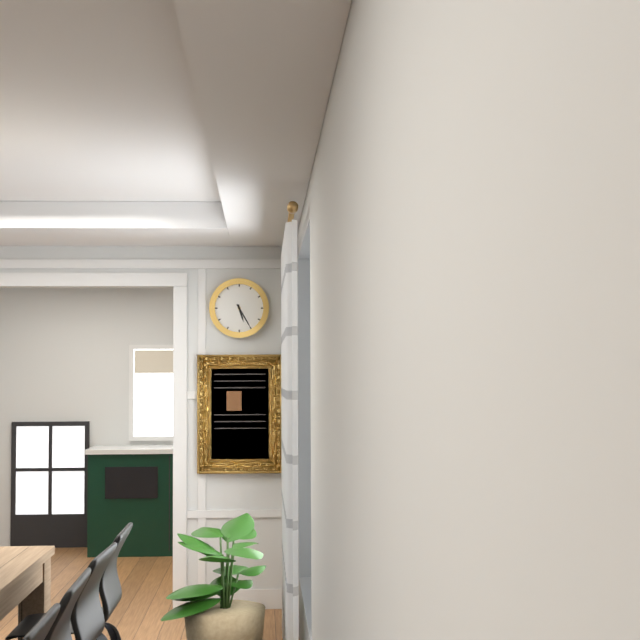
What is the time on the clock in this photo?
5:25
